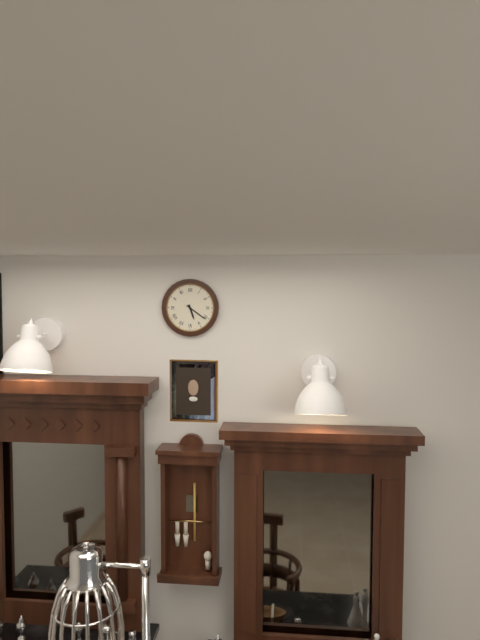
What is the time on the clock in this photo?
5:21
